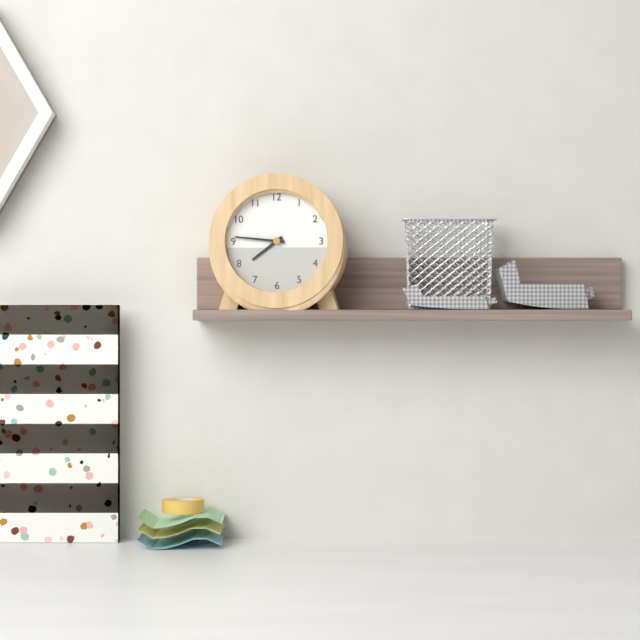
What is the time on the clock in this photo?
7:46
